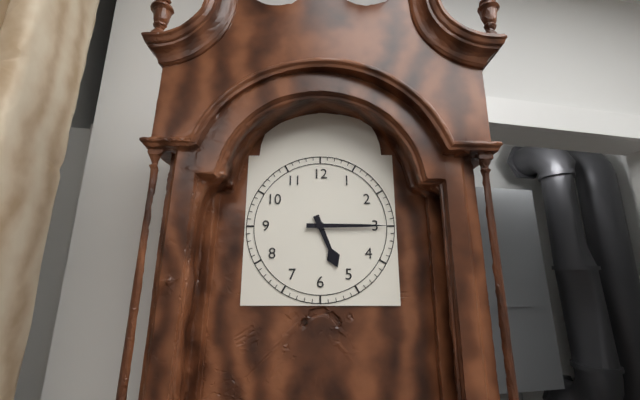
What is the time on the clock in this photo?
5:15
